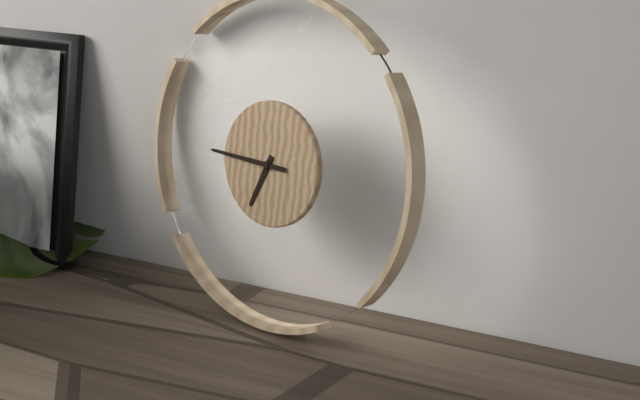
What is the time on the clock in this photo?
6:45
